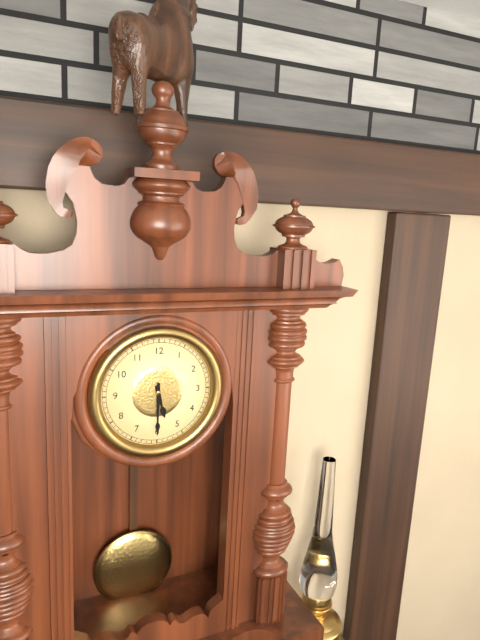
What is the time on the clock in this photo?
5:30
